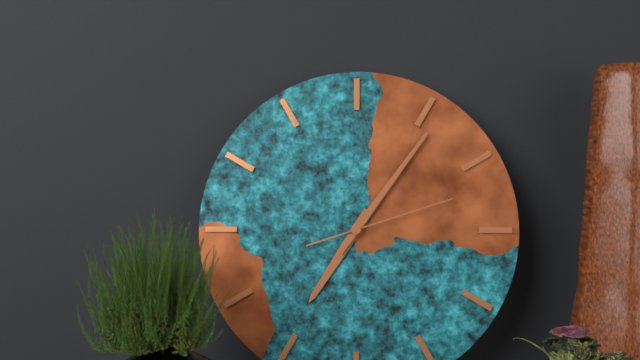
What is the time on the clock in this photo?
7:06:12
